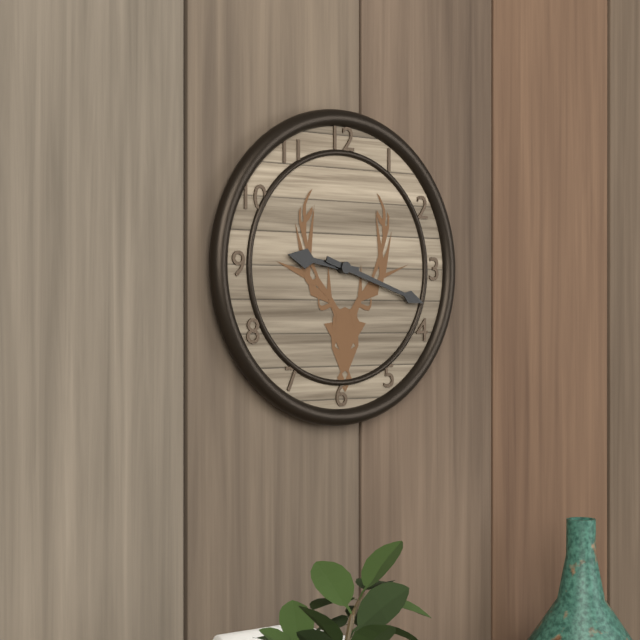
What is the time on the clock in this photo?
9:18
